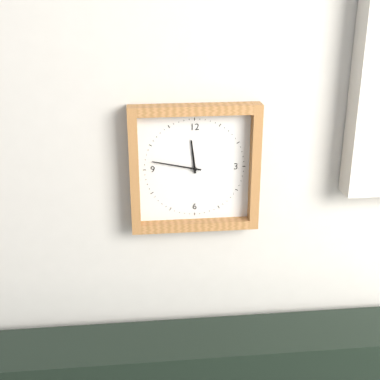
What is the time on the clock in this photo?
11:47
